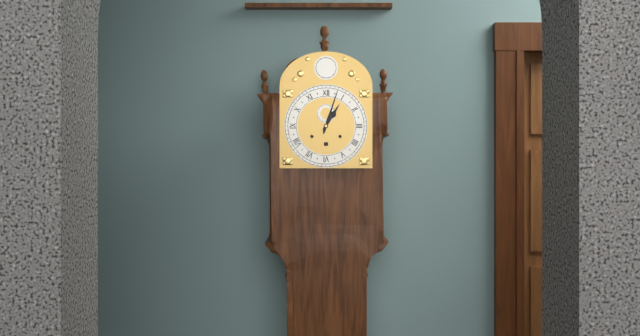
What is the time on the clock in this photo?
1:03
